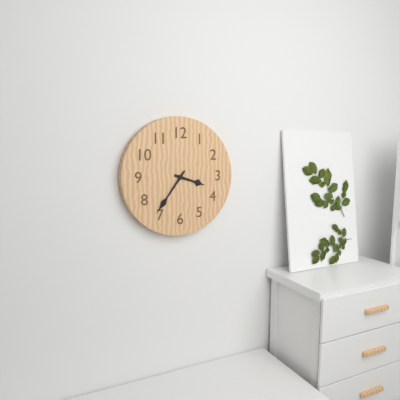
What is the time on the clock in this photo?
3:36
